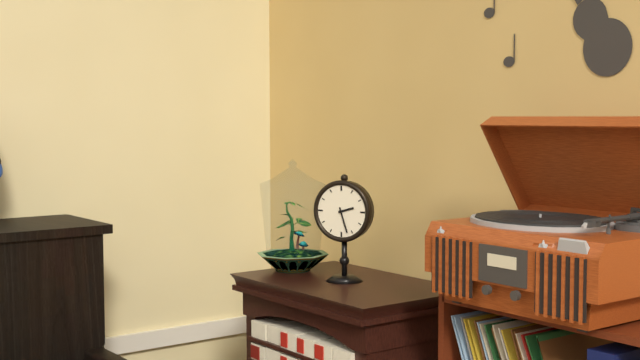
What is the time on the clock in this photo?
2:27
